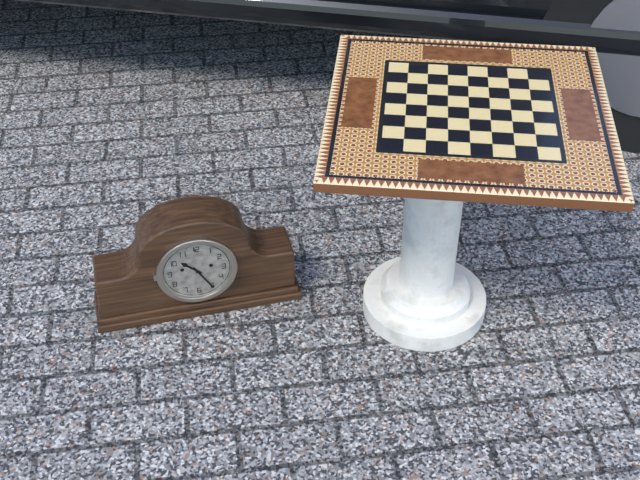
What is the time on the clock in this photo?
10:25
